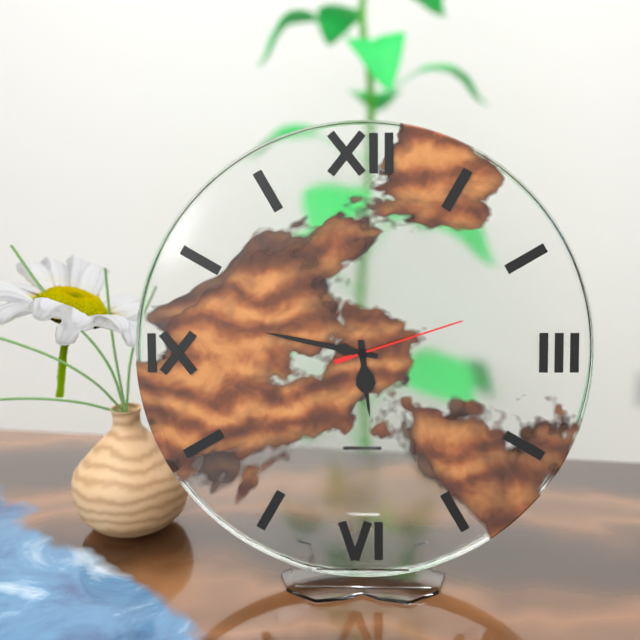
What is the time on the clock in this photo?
5:47:12
